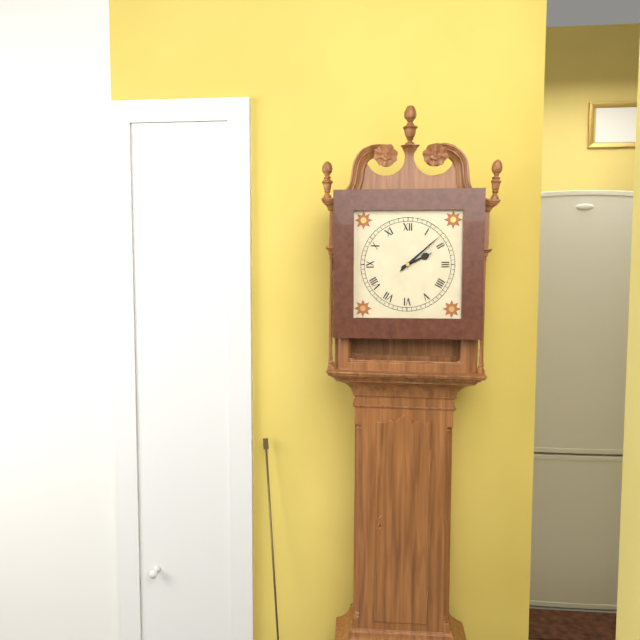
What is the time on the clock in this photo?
2:08
